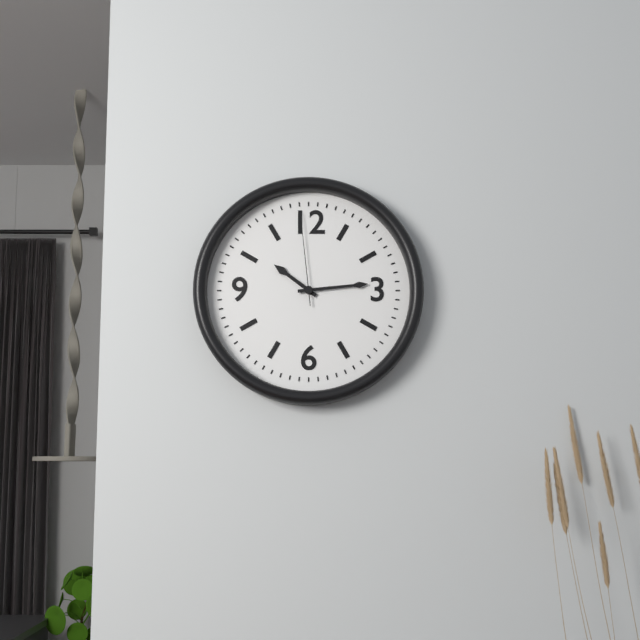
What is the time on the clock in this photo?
10:14:59
